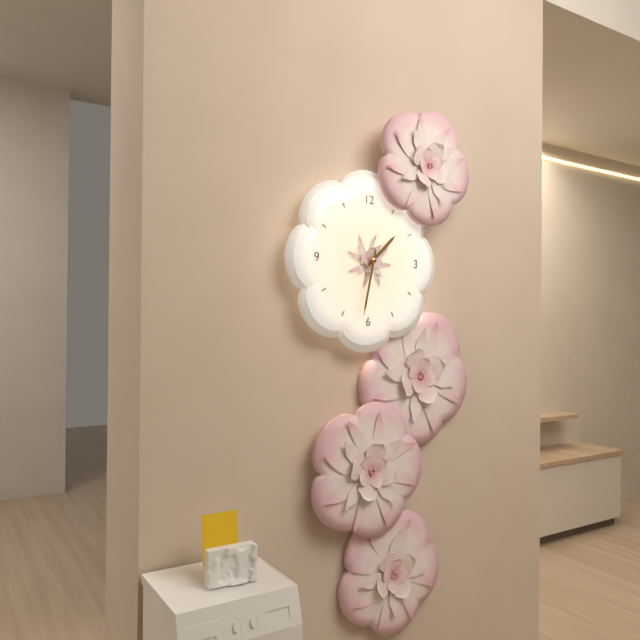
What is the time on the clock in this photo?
1:32
